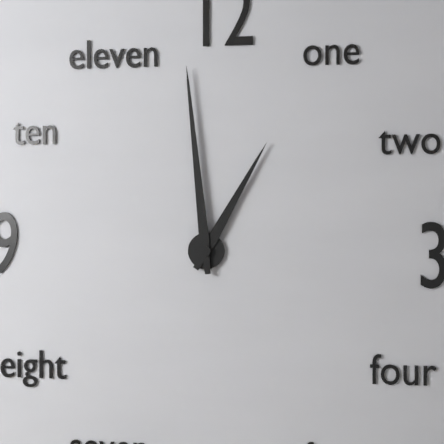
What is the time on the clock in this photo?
12:59
